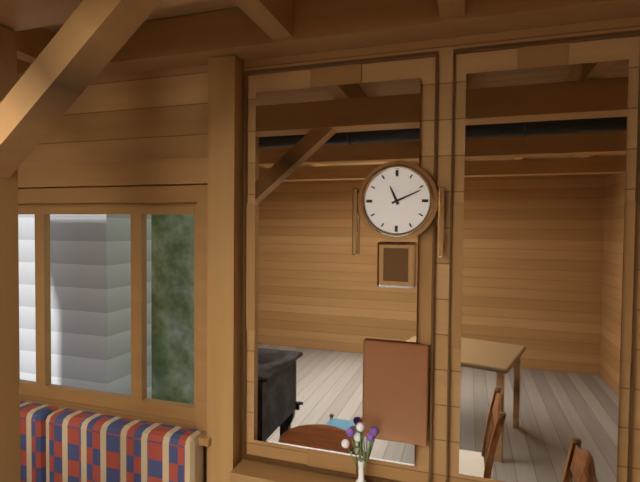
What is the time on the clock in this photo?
11:11
